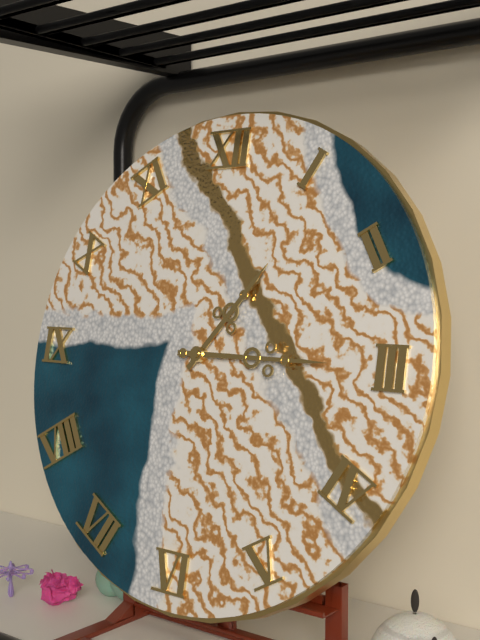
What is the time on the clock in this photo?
1:15
